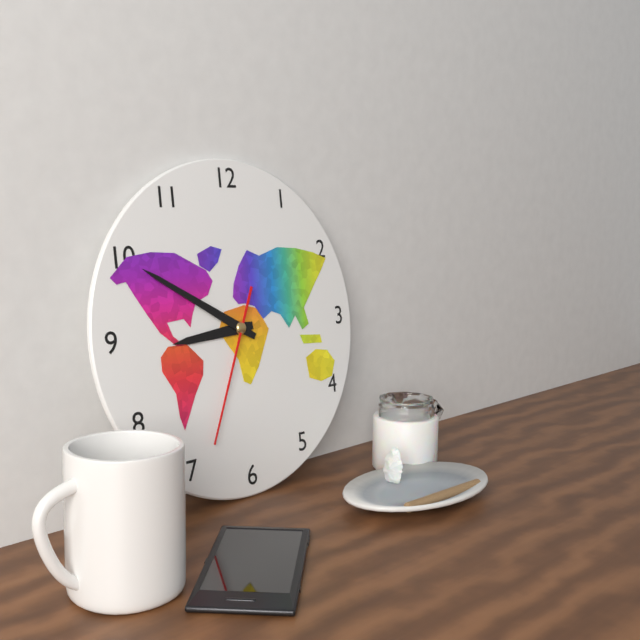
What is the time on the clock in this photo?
8:50:34
